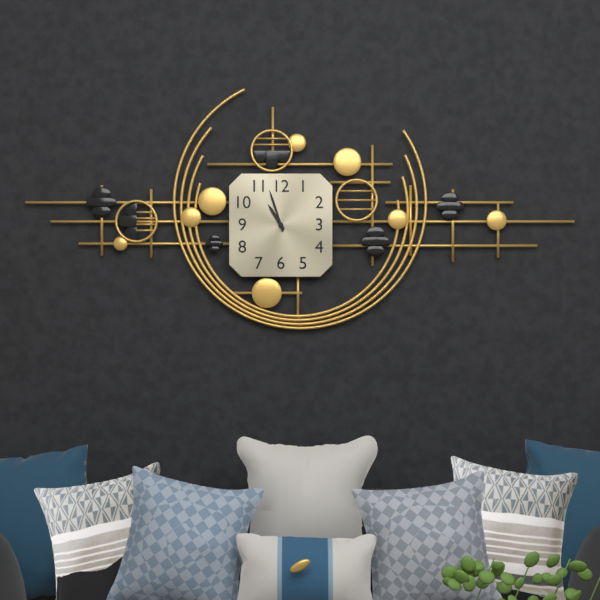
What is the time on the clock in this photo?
10:57
